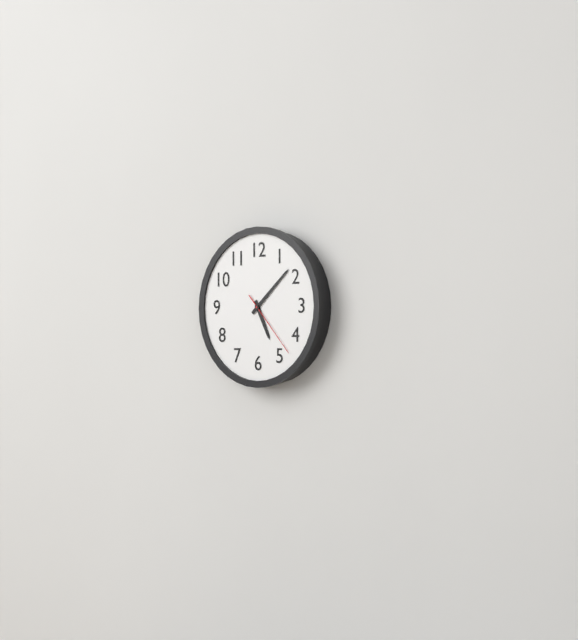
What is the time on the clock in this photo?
5:08:23
